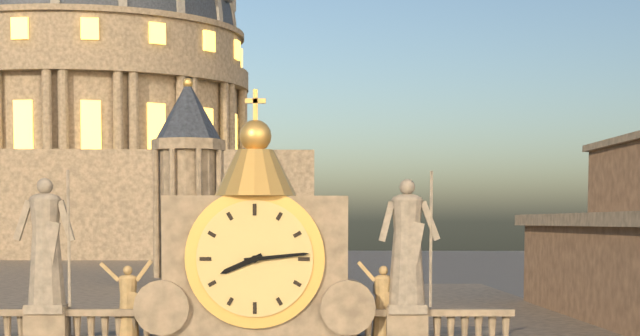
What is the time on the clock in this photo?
8:14
